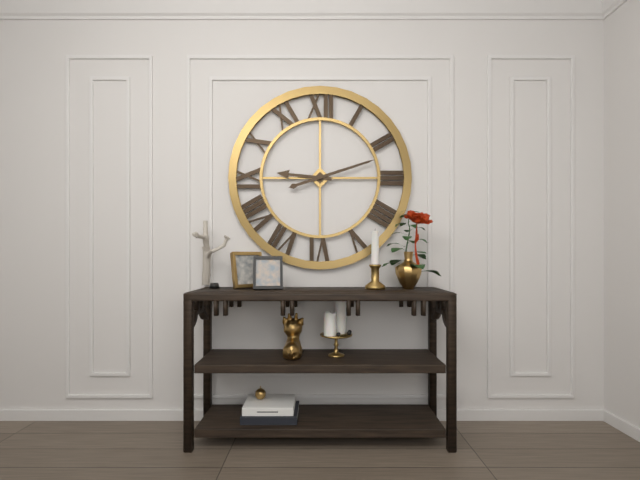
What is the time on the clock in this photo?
9:12
